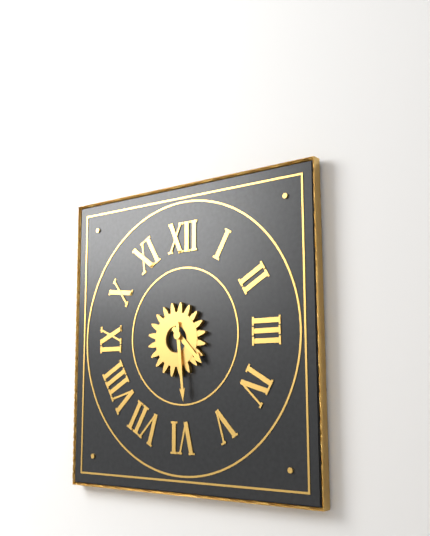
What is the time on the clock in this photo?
4:29
